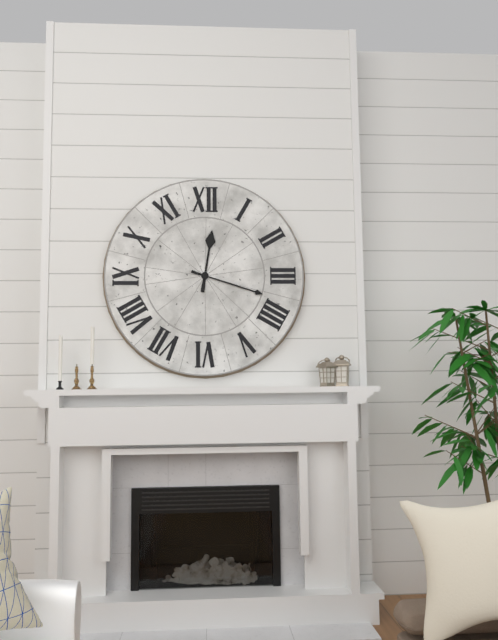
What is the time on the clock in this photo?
12:18
